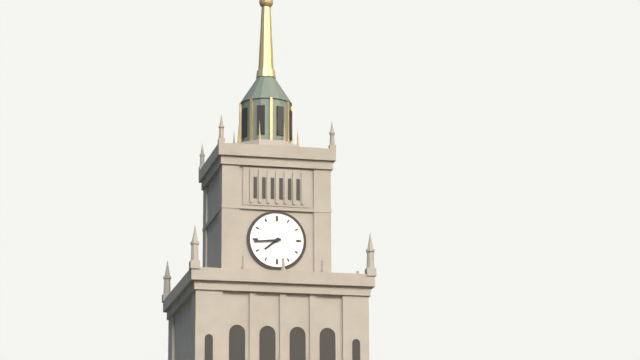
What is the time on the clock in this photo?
7:44
